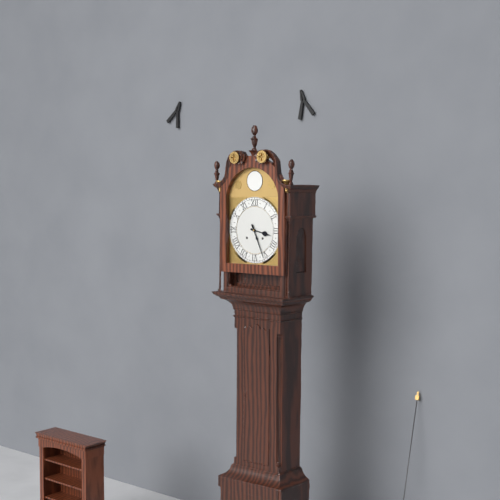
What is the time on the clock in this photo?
3:26
